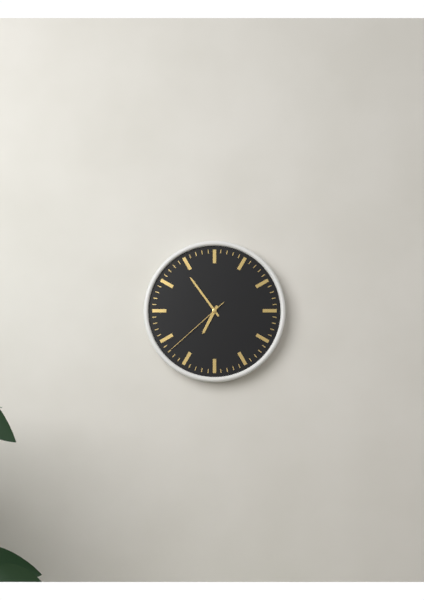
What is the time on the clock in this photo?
6:54:38
